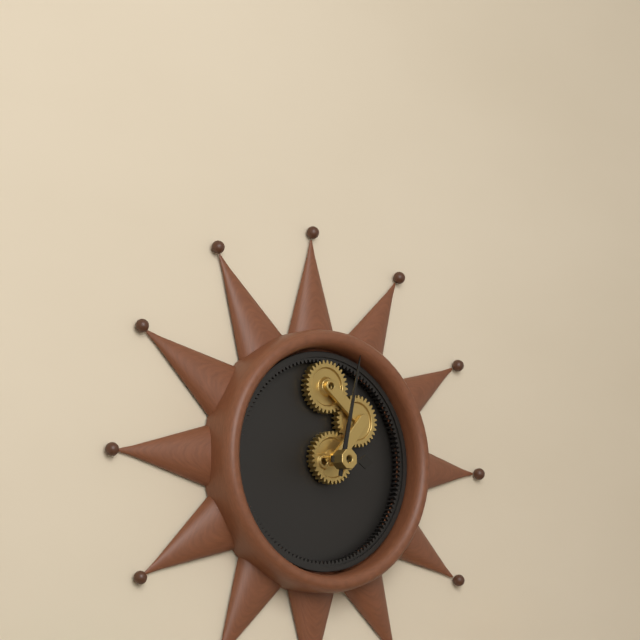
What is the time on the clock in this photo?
3:02
